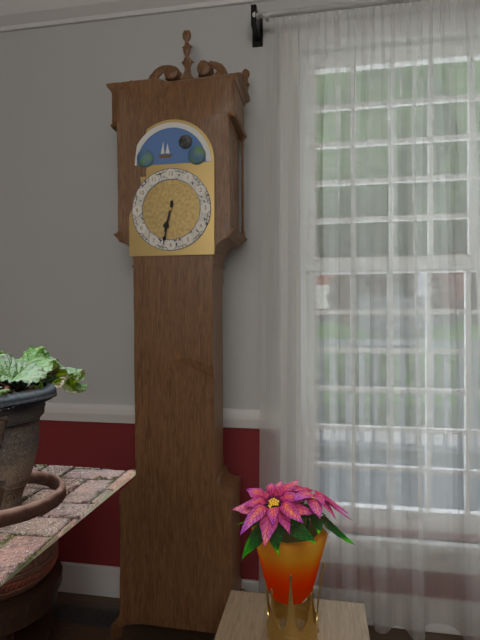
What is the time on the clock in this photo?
6:32
